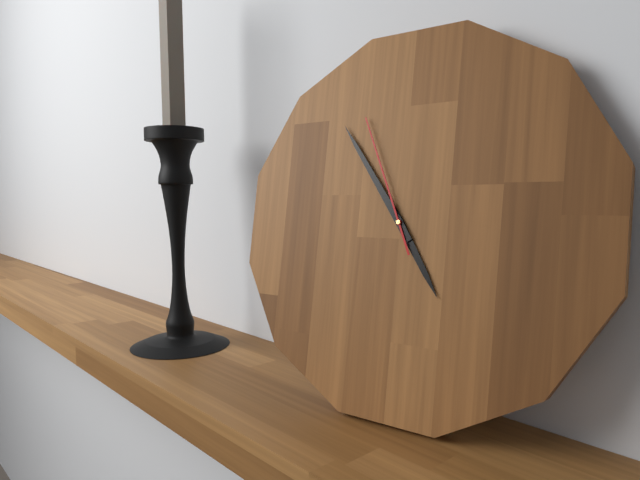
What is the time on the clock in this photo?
4:54:56
